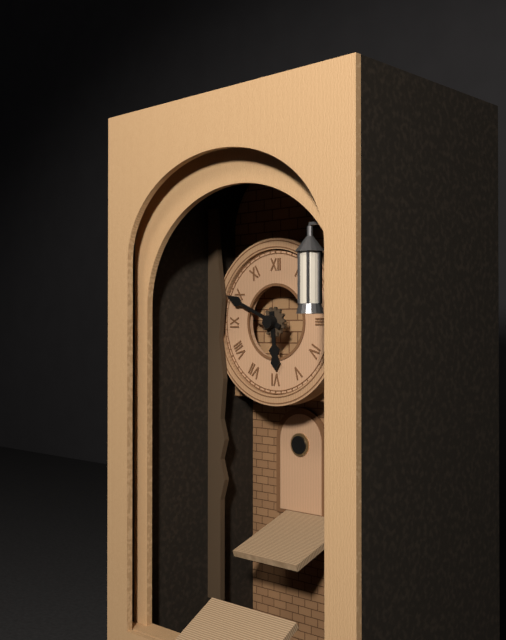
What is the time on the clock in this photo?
5:49
